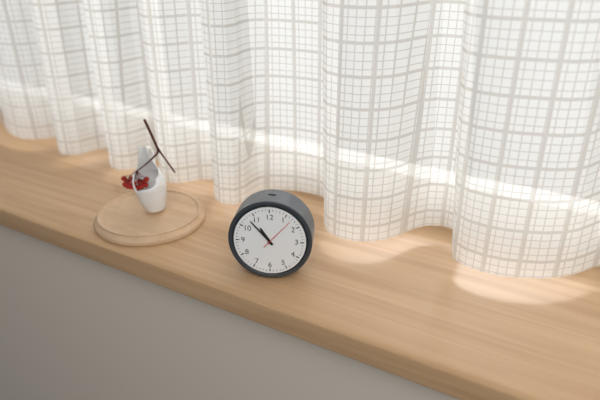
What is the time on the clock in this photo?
10:53
